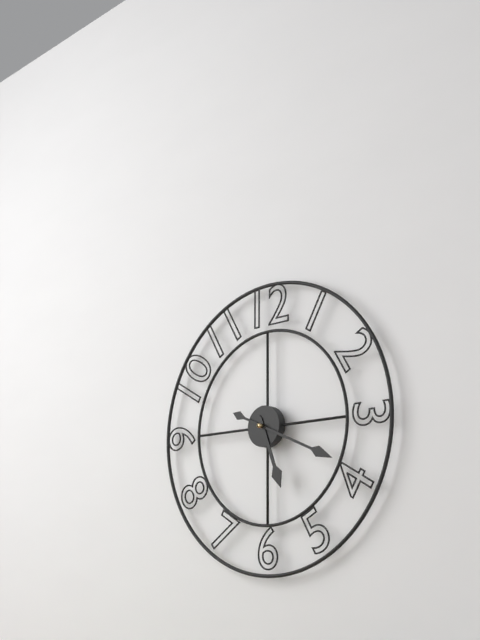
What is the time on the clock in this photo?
5:19
